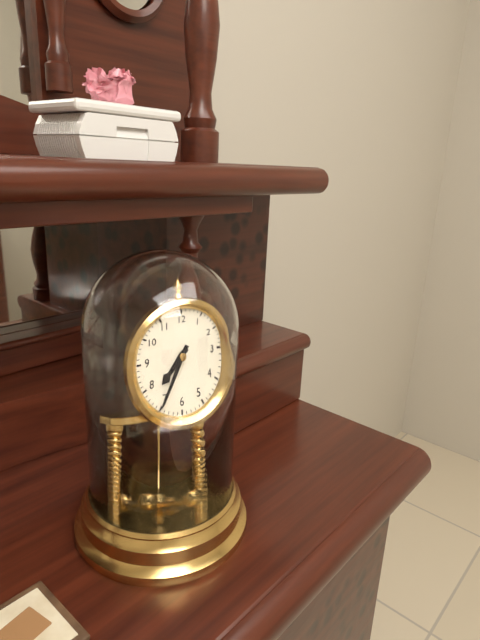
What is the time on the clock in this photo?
7:35
